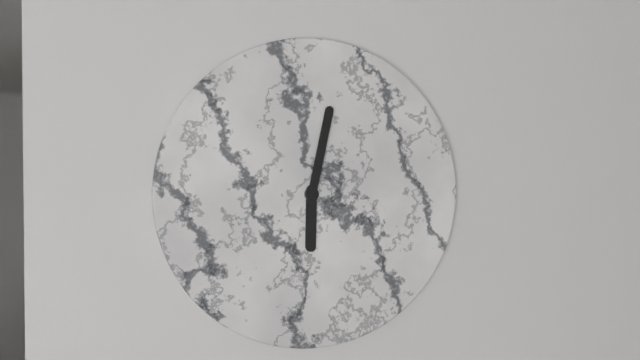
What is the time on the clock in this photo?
6:02
